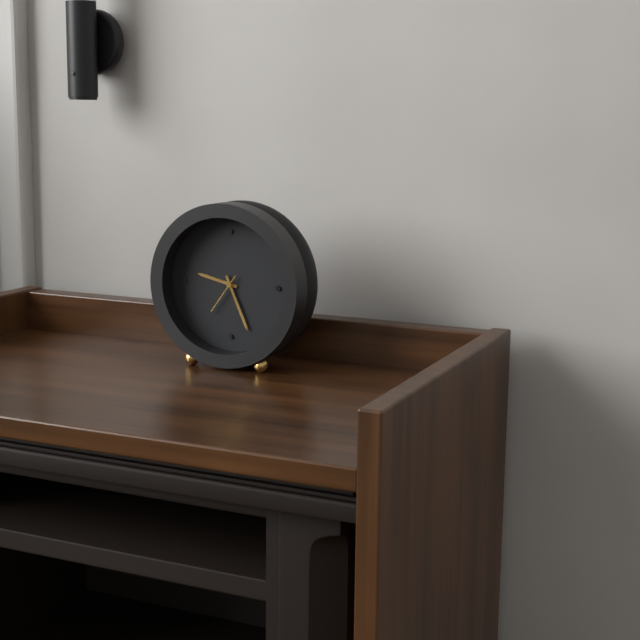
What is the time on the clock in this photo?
9:26
